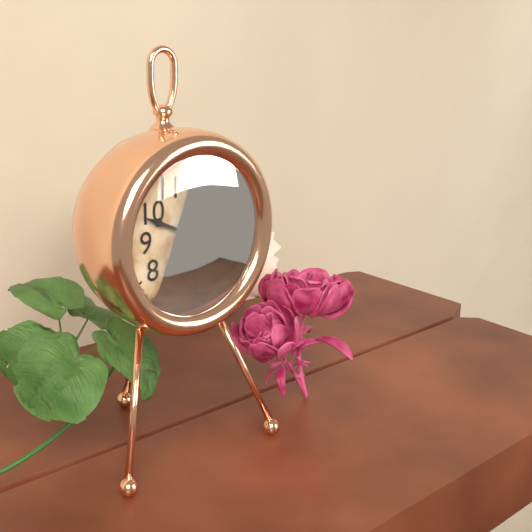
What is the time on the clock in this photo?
3:49
